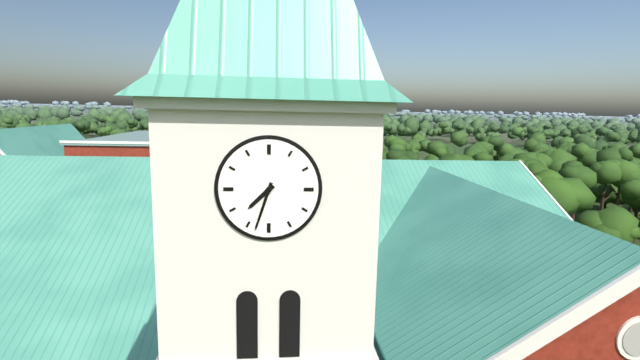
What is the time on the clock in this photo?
7:33
